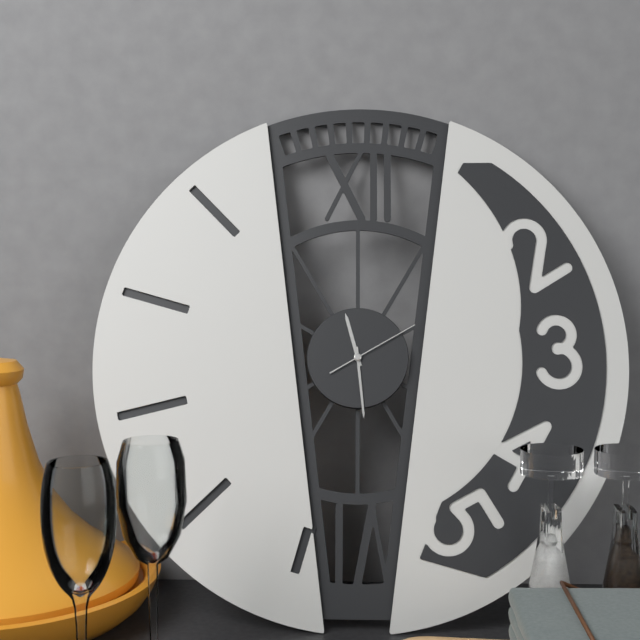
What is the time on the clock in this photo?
11:29:10
